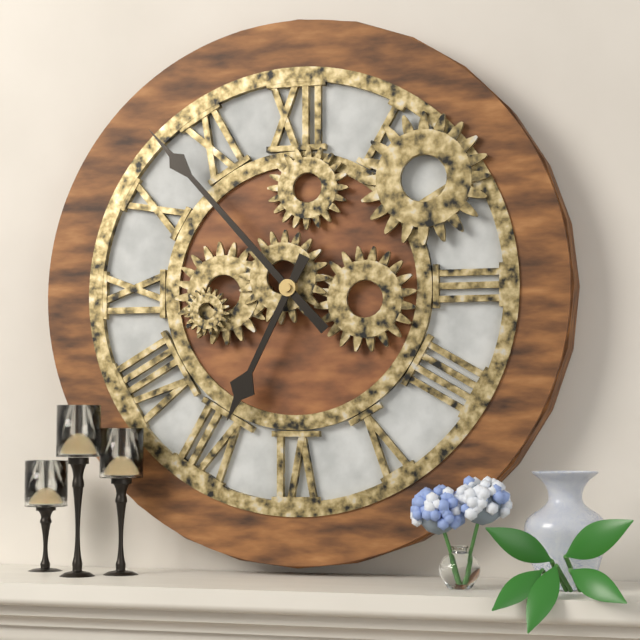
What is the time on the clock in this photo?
6:53
